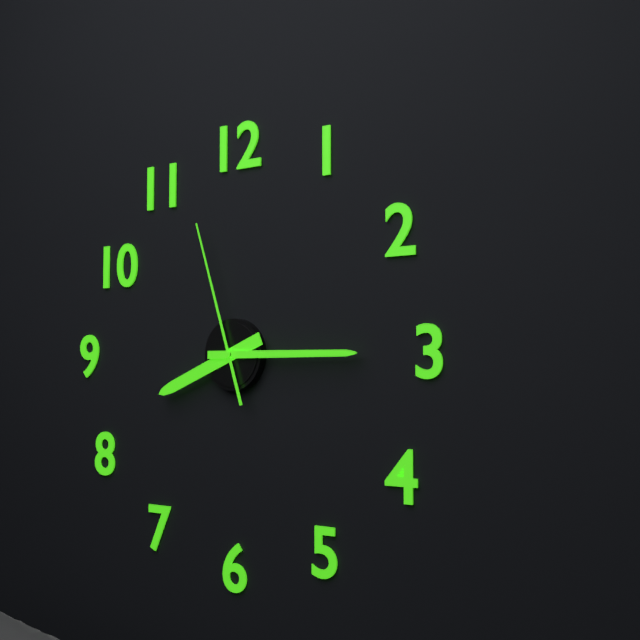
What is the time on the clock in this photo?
8:15:57
